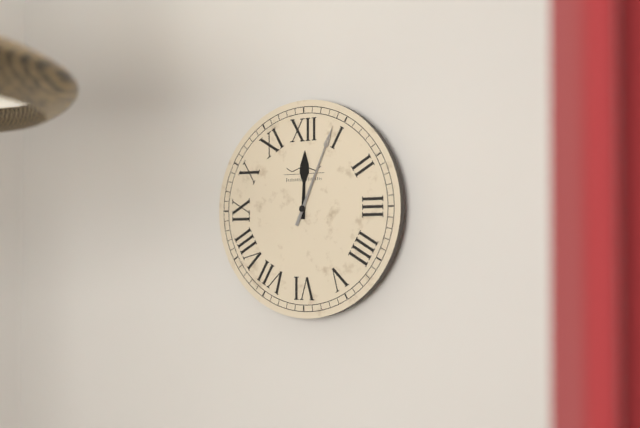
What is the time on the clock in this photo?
12:04
